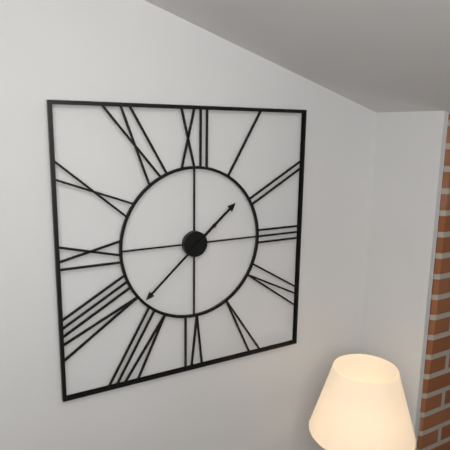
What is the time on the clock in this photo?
1:38
